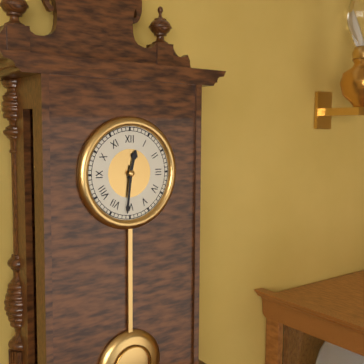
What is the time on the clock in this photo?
12:31
